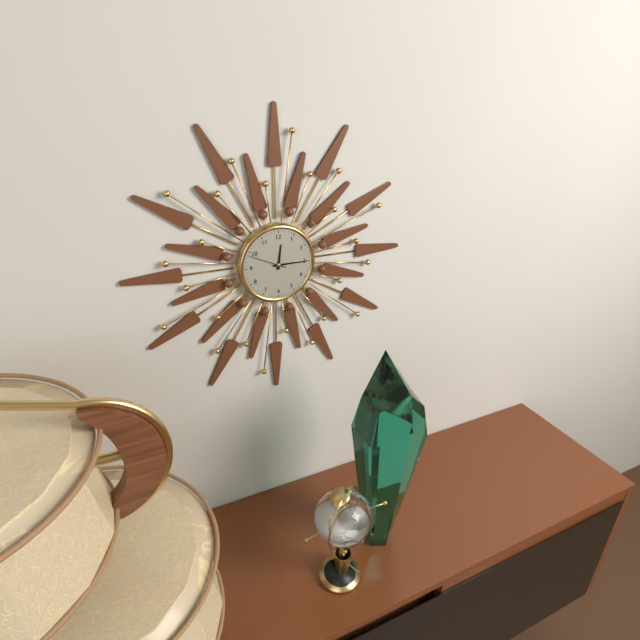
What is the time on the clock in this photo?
12:15
